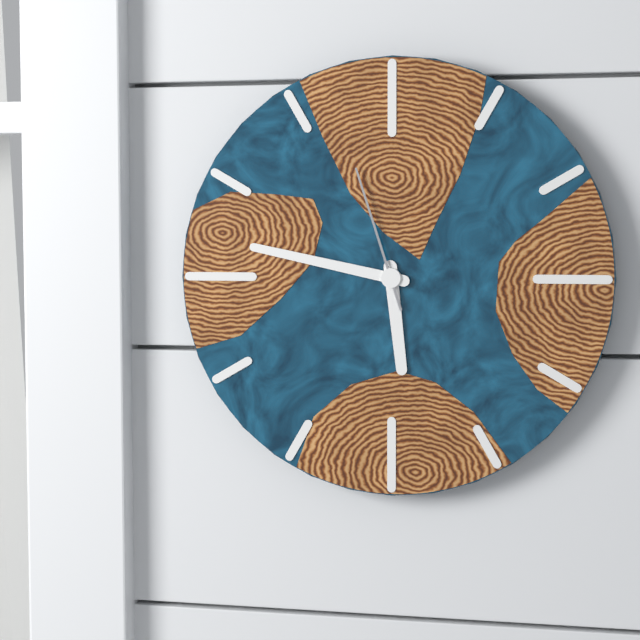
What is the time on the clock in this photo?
5:47:57
